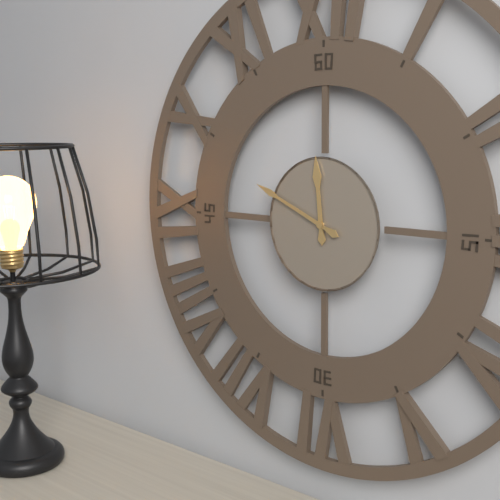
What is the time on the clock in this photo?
11:49
